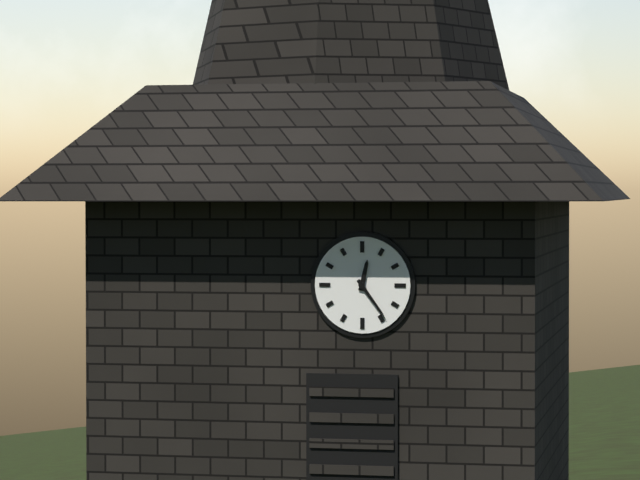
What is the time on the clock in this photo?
12:24
